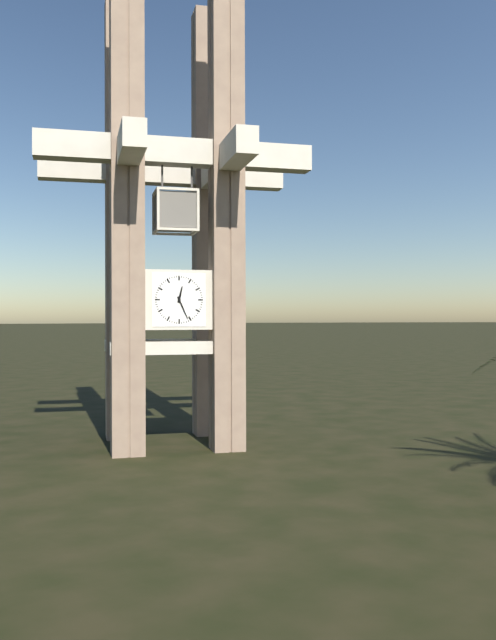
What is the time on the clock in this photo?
12:26
